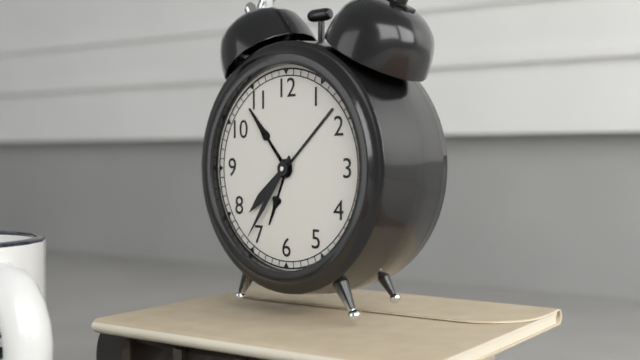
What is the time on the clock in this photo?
7:36
